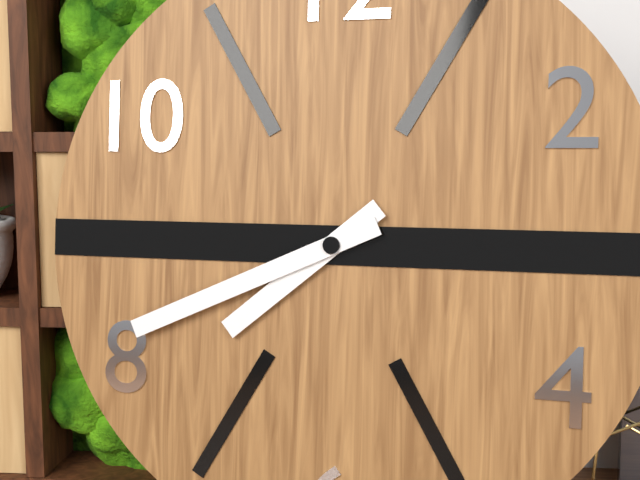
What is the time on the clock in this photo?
7:41
